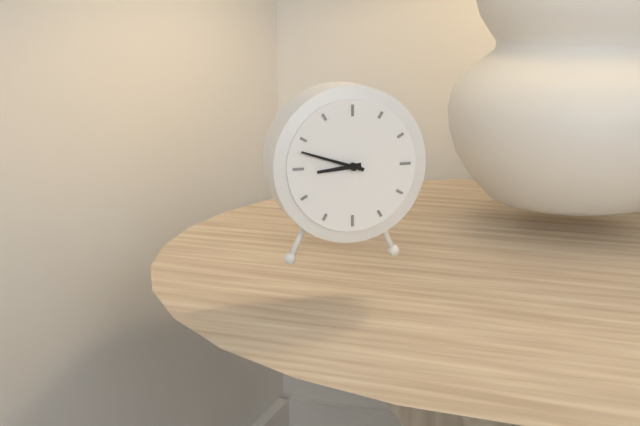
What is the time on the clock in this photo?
8:48
